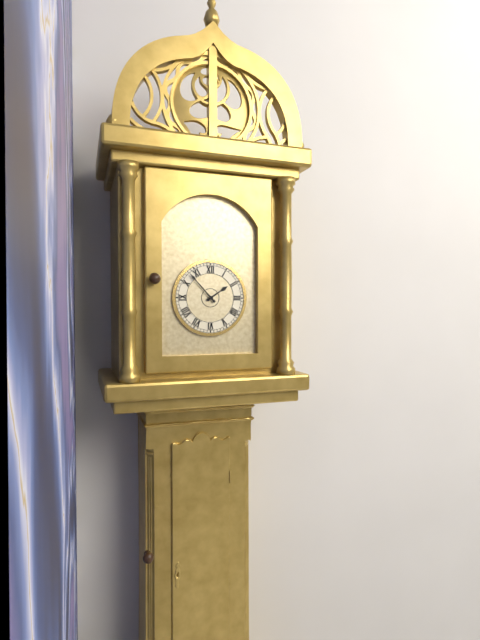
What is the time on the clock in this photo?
1:53
